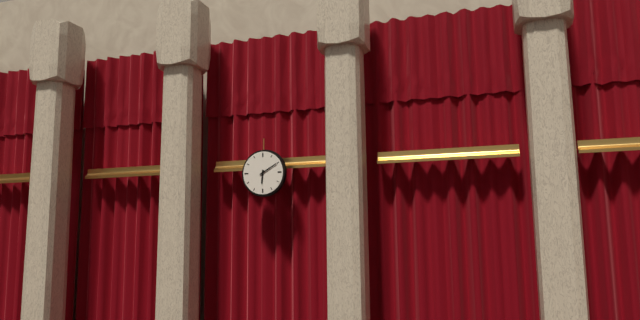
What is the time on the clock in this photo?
6:10
